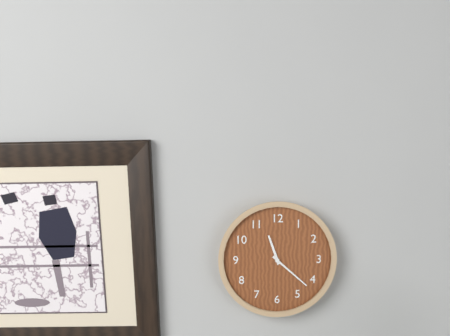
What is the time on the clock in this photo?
11:22
